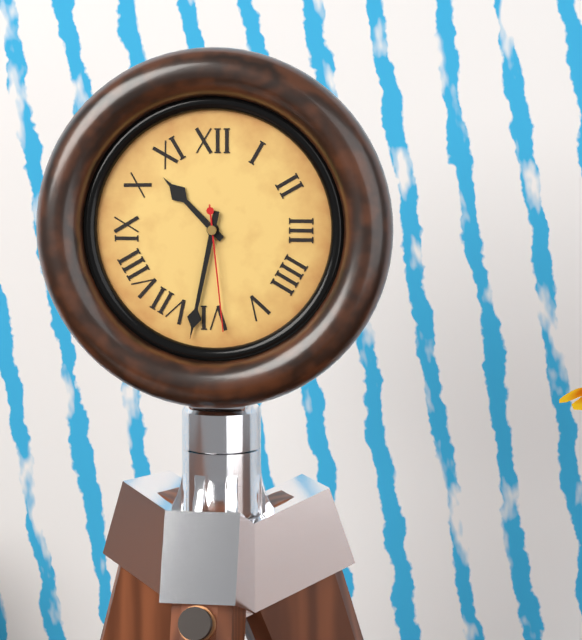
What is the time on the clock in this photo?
10:32:29
